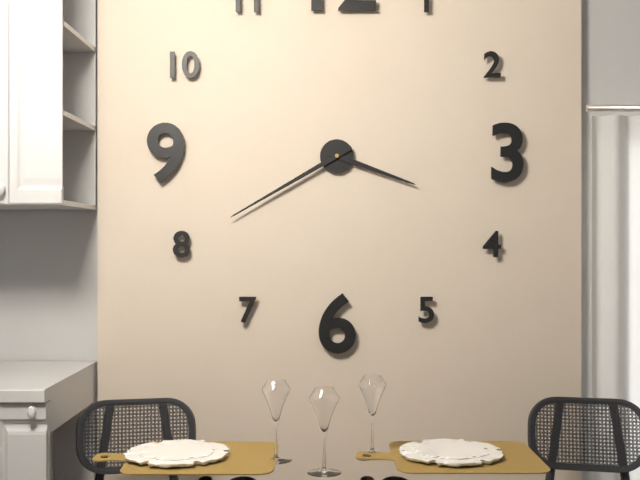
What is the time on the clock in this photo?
3:40
